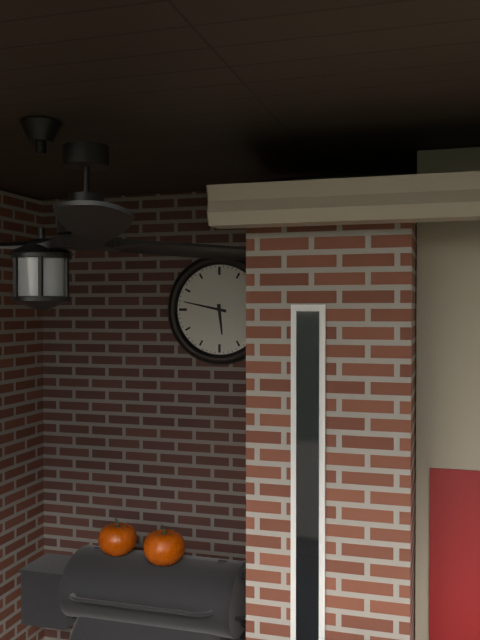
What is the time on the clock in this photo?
5:47
